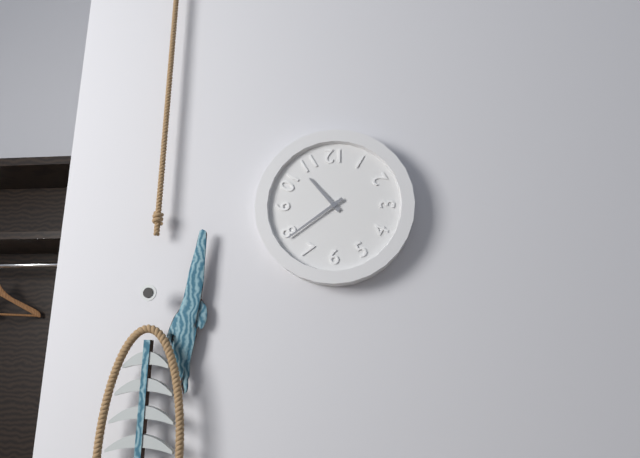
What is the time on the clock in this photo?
10:39
